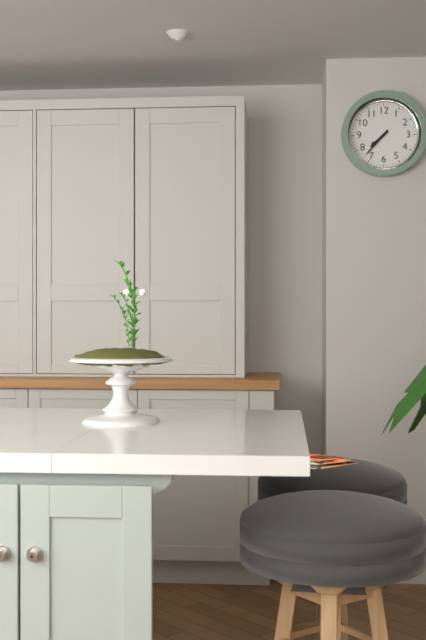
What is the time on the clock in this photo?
7:37
